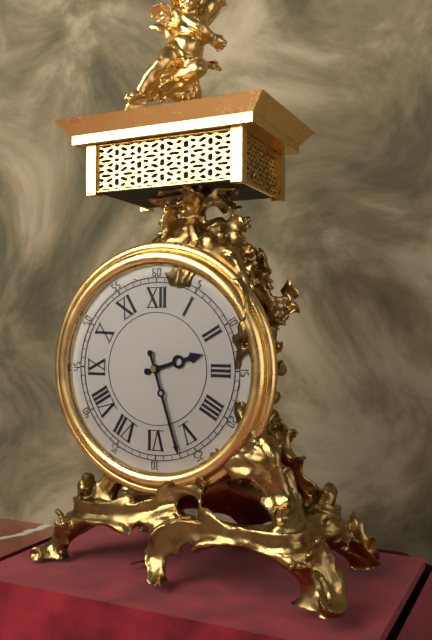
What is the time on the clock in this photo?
2:27
